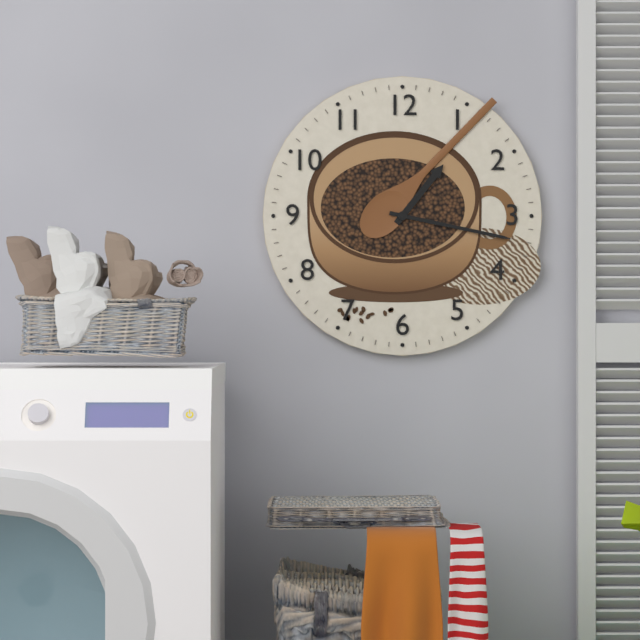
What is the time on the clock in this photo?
1:17
